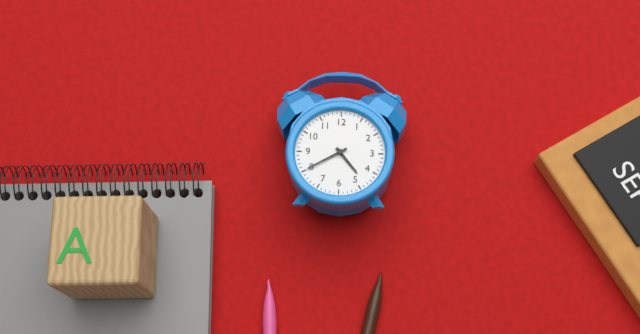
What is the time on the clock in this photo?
4:40
